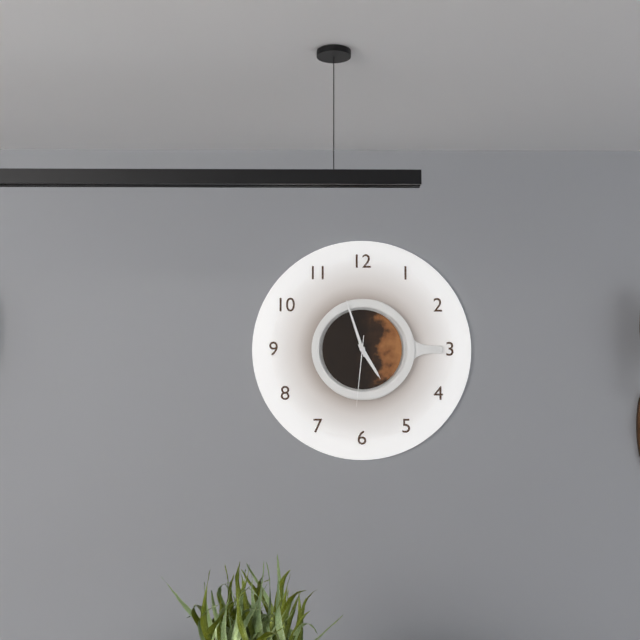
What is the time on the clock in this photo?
4:57:31
